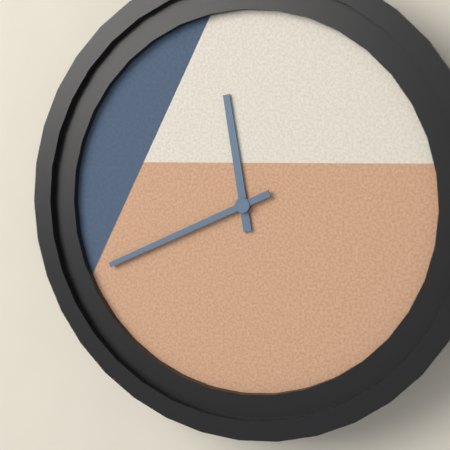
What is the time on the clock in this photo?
11:41
